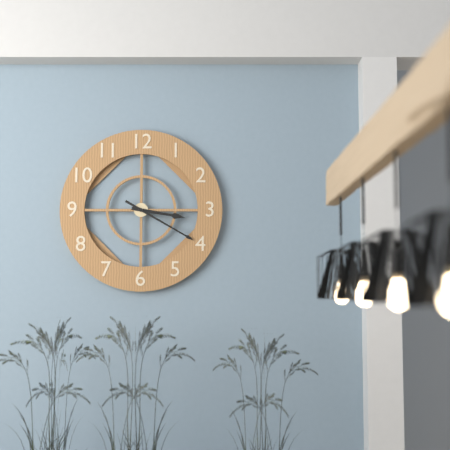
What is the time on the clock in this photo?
3:20
